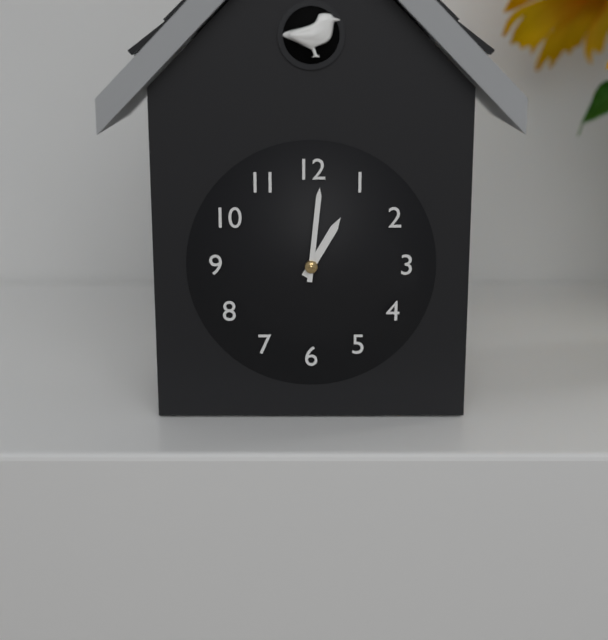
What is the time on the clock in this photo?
1:01
